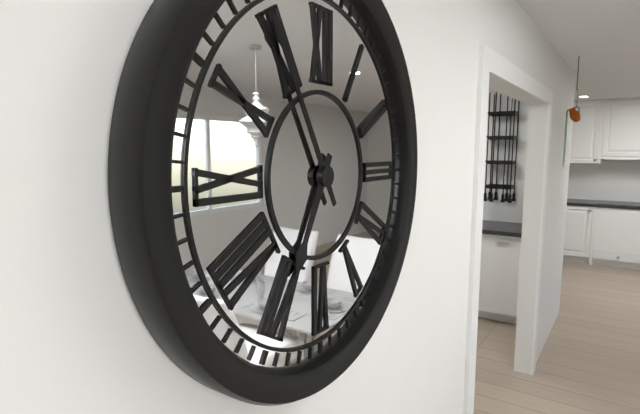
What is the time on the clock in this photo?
6:55
